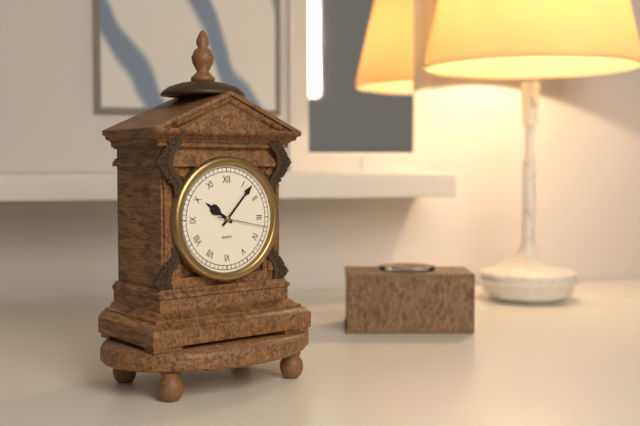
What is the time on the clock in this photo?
10:07
